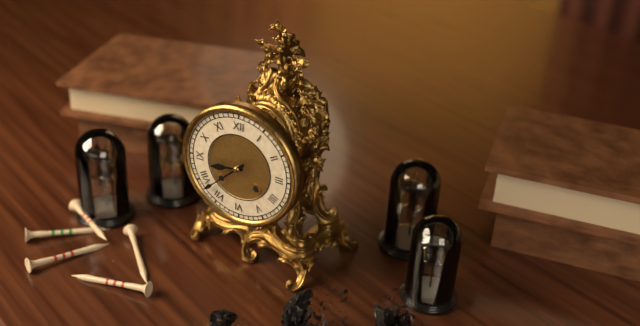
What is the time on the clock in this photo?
8:38
